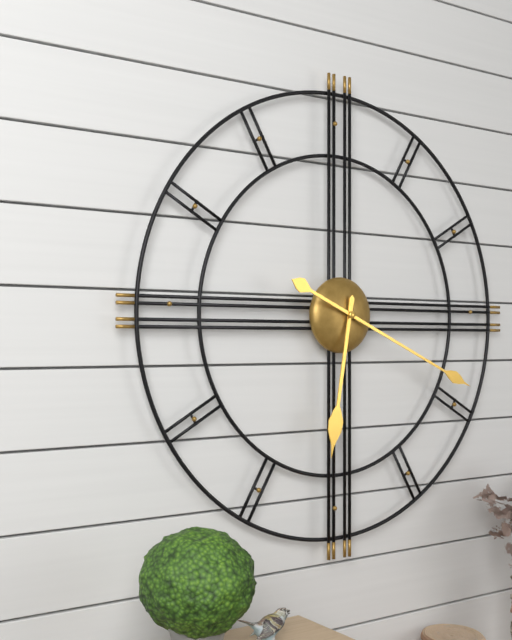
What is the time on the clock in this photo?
6:19
